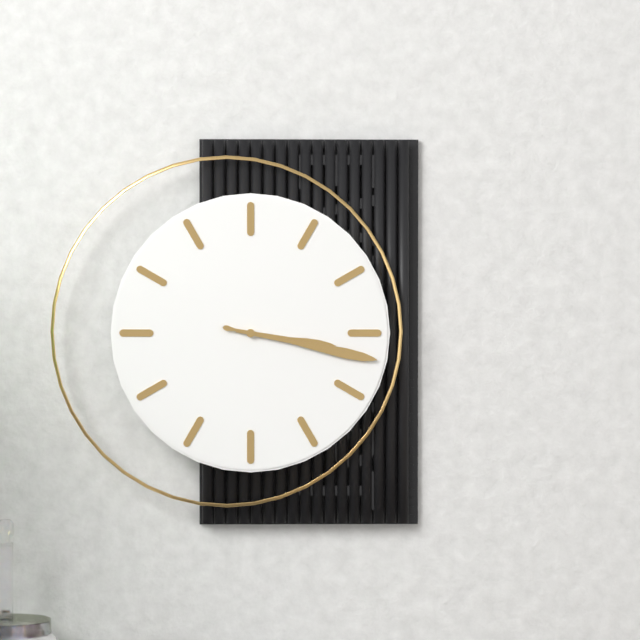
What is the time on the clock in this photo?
3:17
